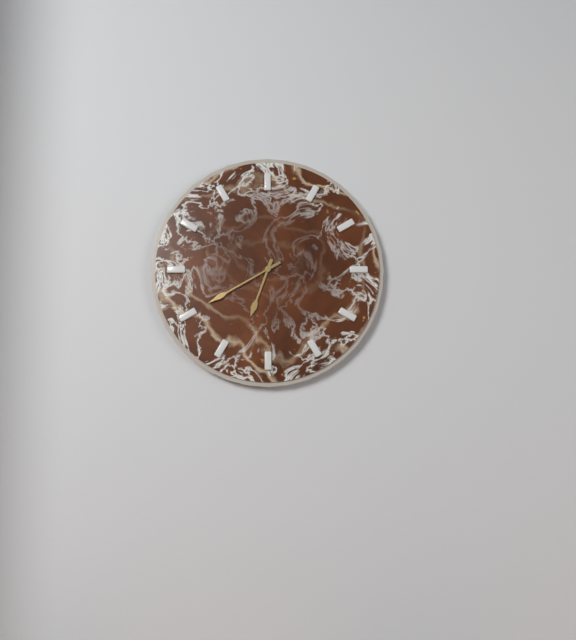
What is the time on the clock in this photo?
6:40
